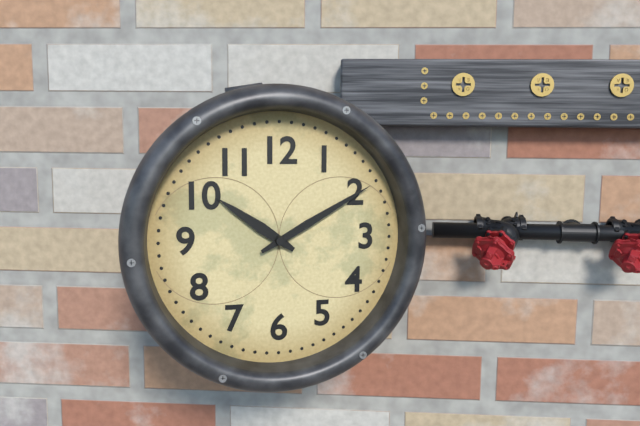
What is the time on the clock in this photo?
10:10
